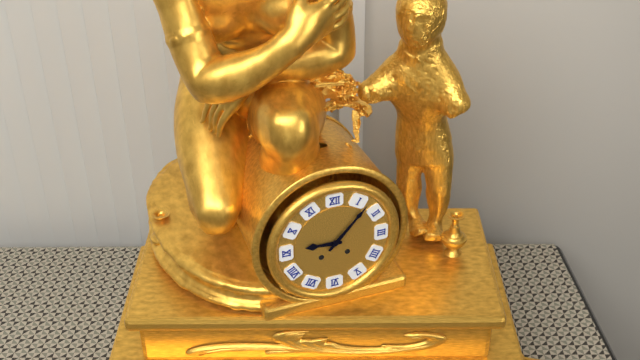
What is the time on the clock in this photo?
9:07
